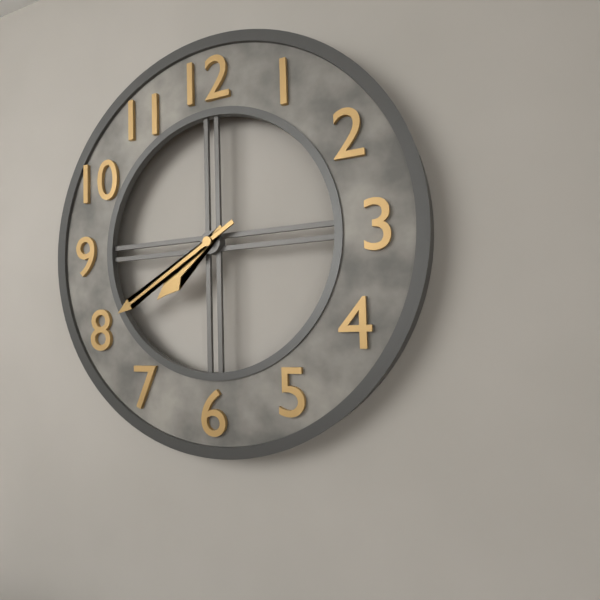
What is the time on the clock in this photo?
7:40
